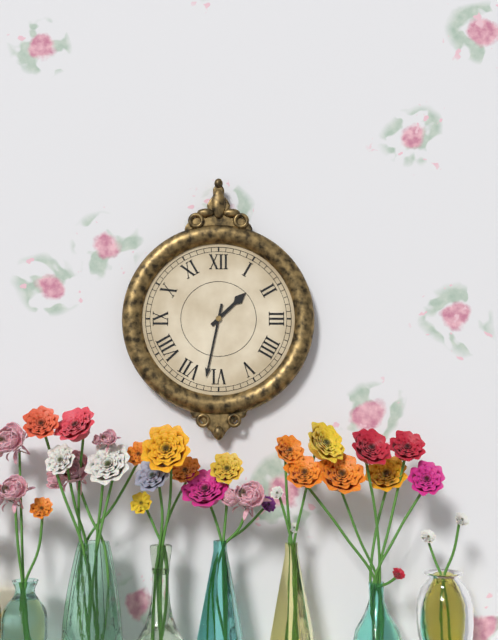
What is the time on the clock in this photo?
1:32
